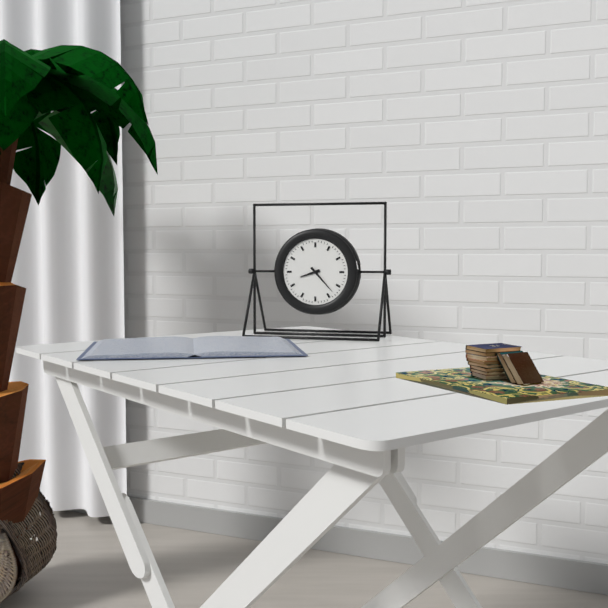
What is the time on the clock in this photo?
8:23
